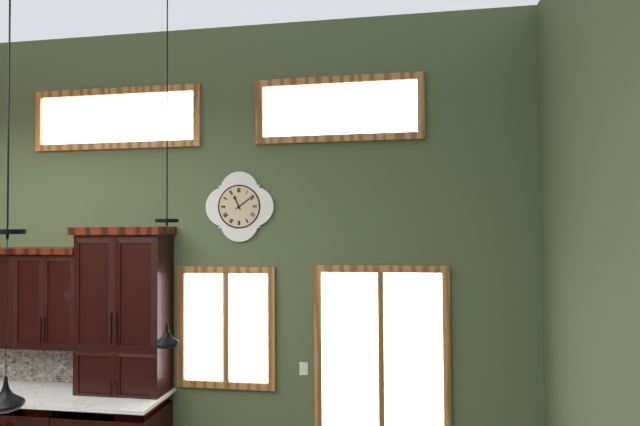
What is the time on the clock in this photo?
11:09
